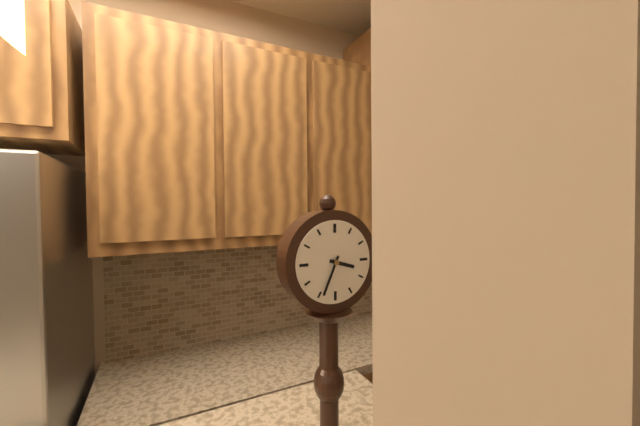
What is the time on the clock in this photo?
3:34
